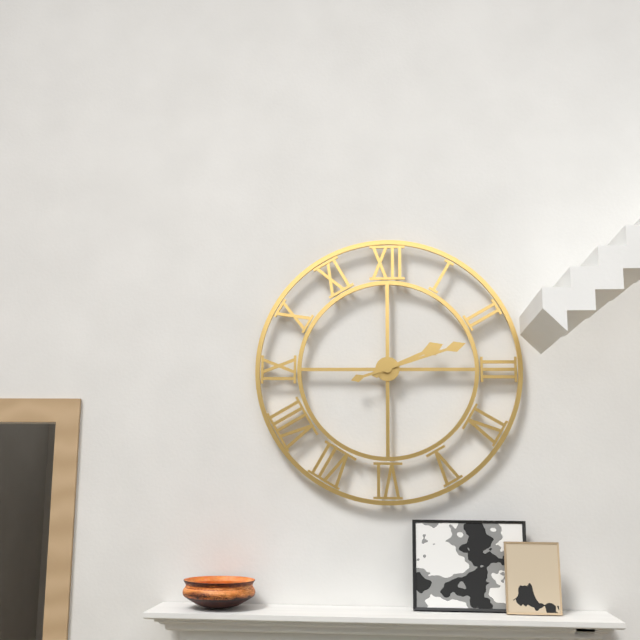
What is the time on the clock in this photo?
2:12
